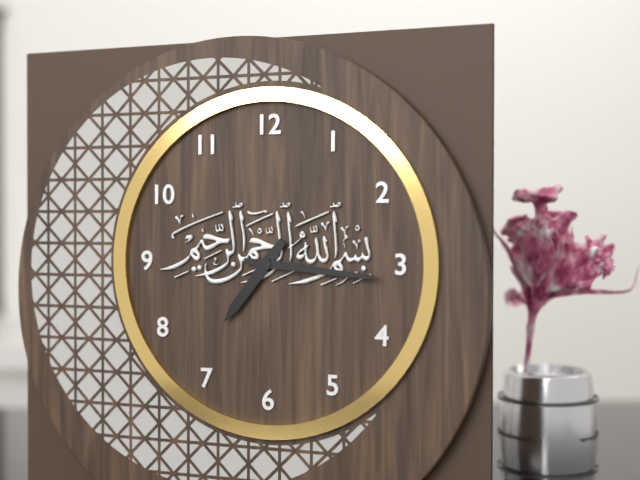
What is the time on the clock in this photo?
7:16
